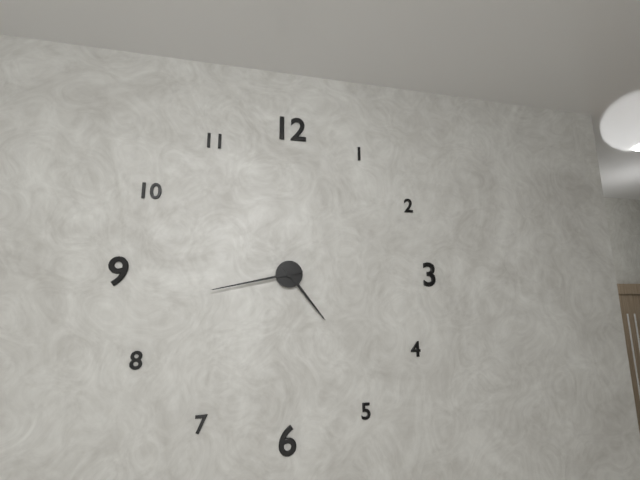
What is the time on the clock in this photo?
4:43
